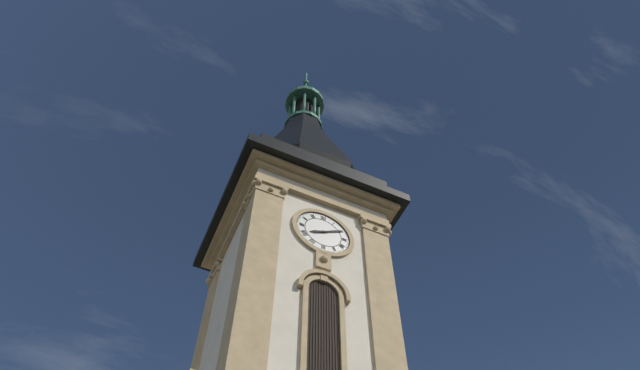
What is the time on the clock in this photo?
8:10
